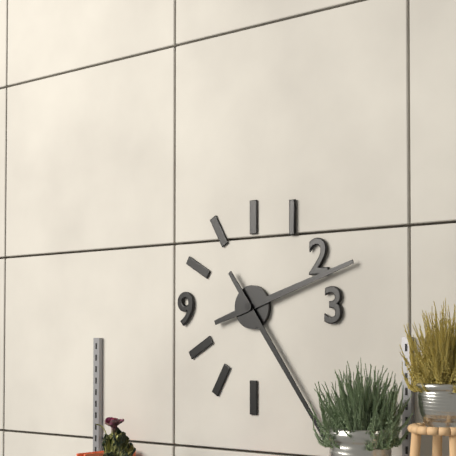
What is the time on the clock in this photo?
2:24
